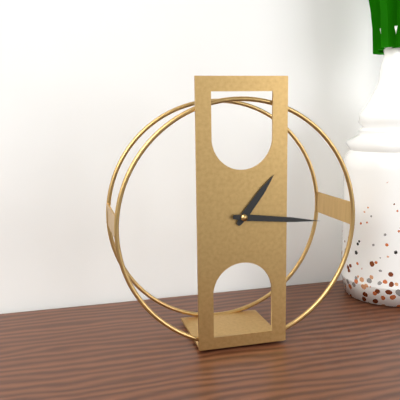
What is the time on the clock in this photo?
1:16
